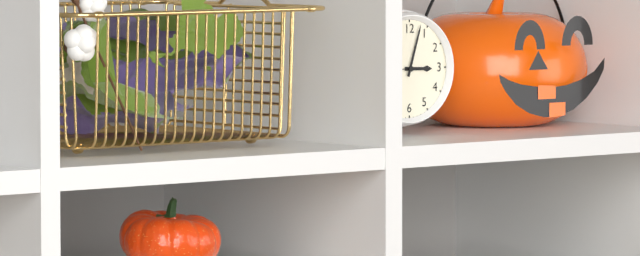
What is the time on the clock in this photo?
3:03
